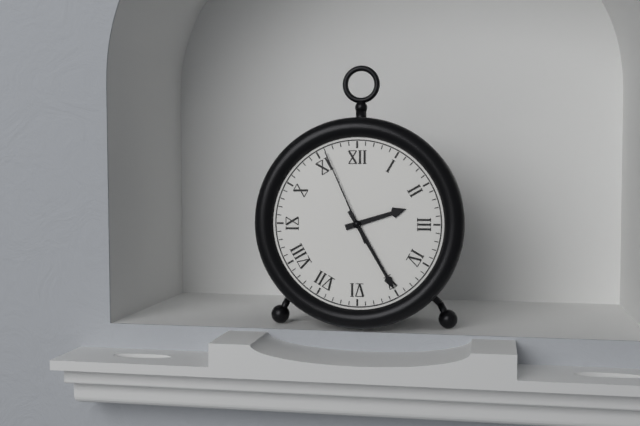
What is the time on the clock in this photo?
2:25:56
